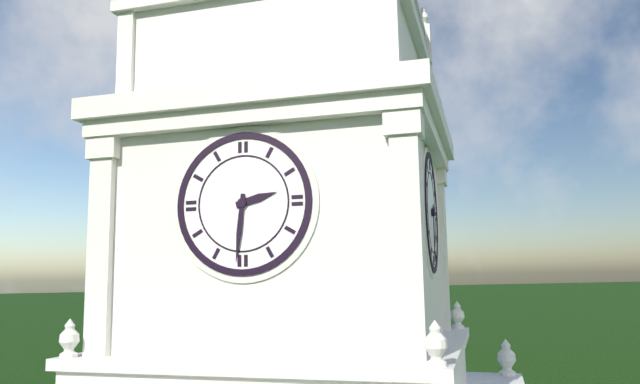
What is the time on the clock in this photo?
2:31
